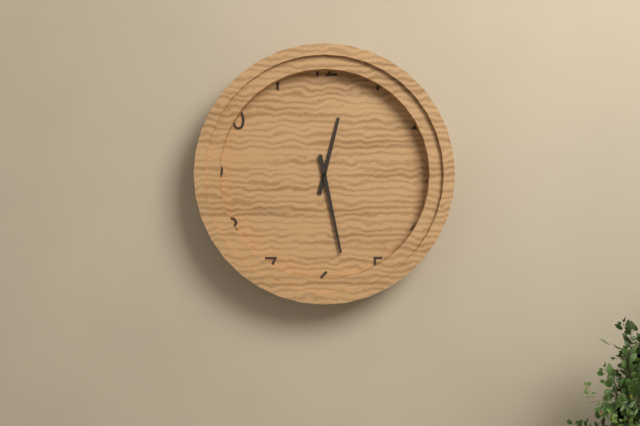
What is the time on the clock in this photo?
12:28
